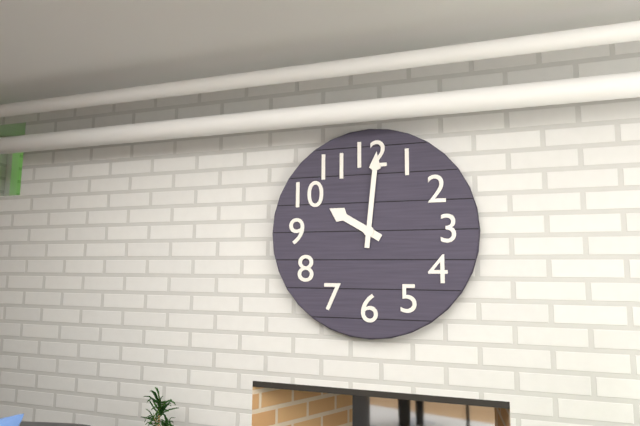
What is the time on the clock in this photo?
10:01
